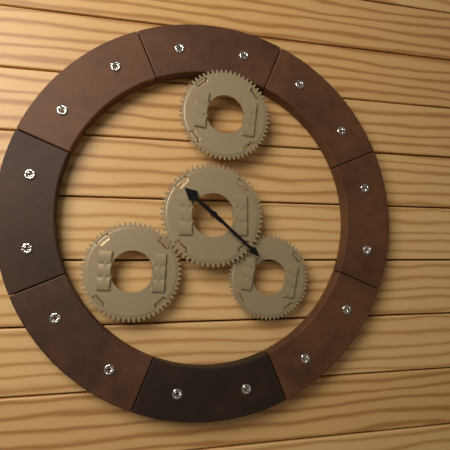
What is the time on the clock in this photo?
10:22
